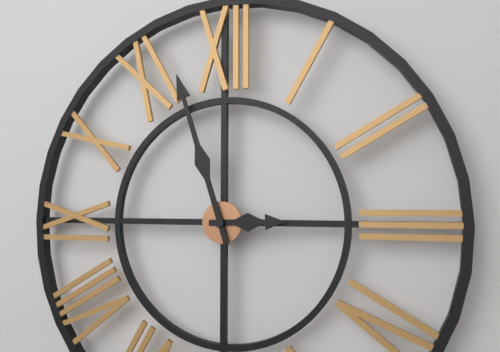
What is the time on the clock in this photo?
2:57
